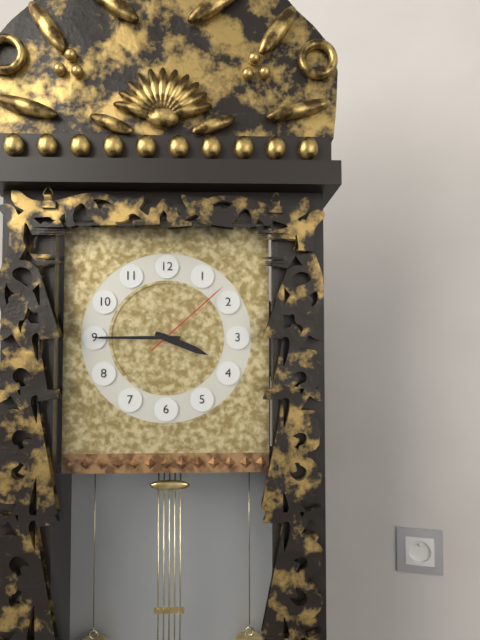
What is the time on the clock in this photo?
3:45:08
